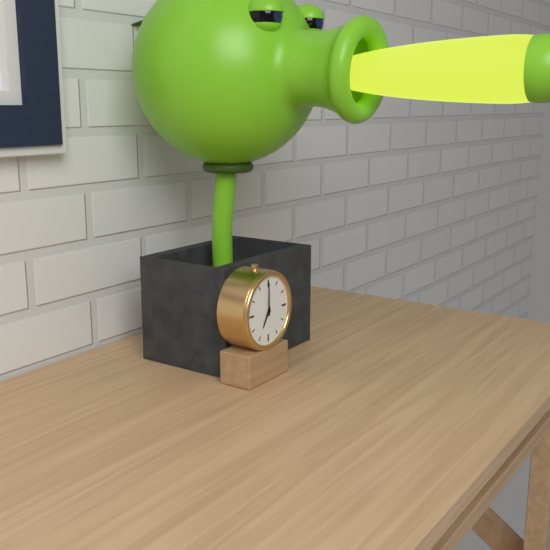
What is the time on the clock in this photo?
7:00
